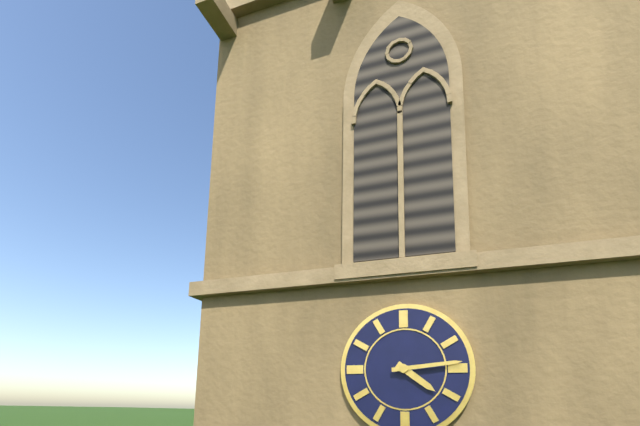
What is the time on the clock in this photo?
4:14
